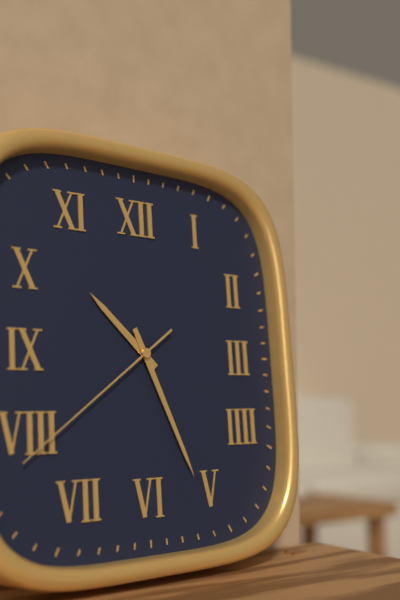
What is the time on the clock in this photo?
10:26:39
